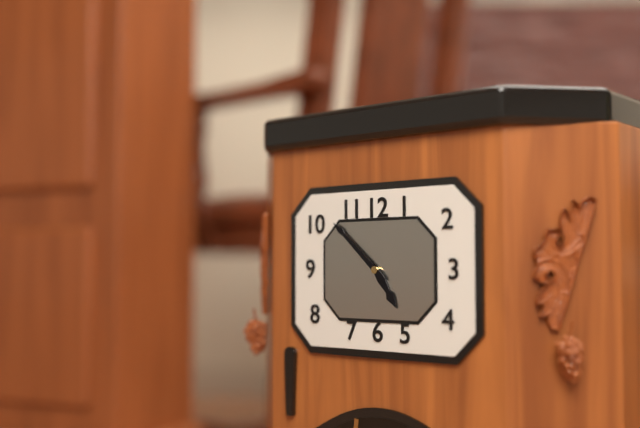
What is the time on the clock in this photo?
4:52
